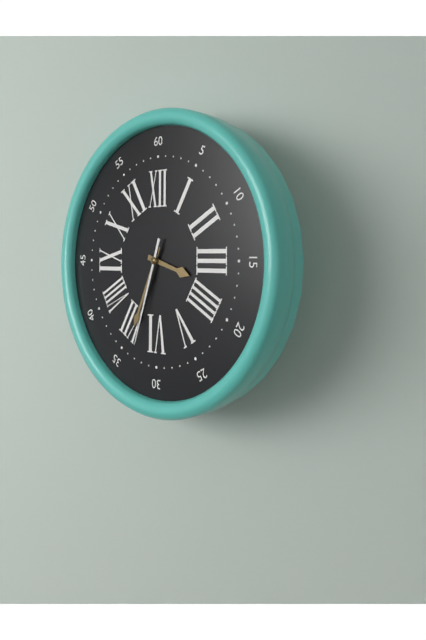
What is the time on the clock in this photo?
3:34:33
